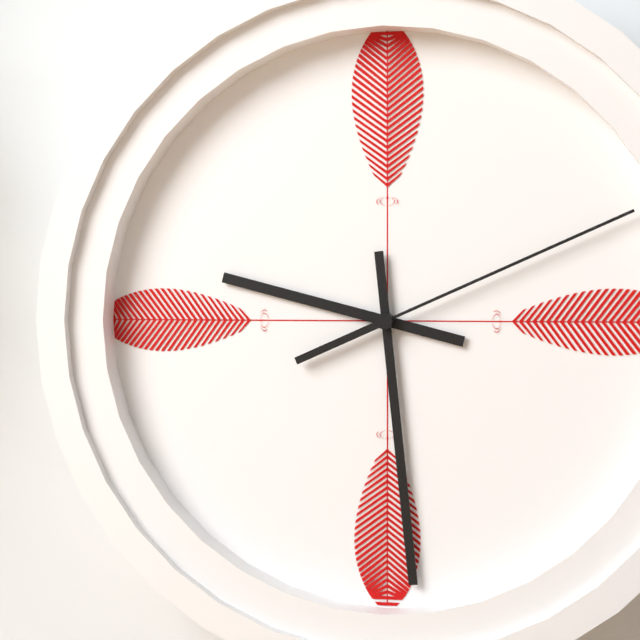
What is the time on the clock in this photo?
9:29:11
